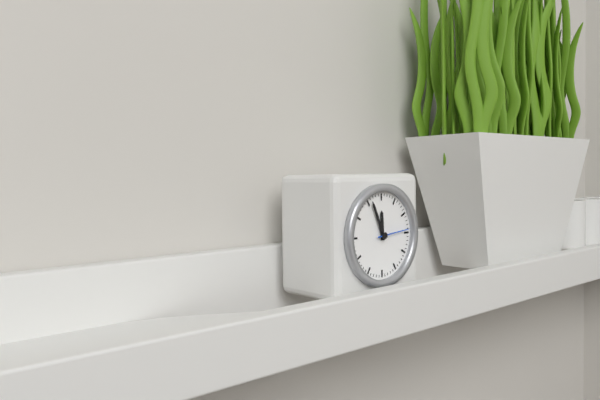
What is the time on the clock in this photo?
11:56
